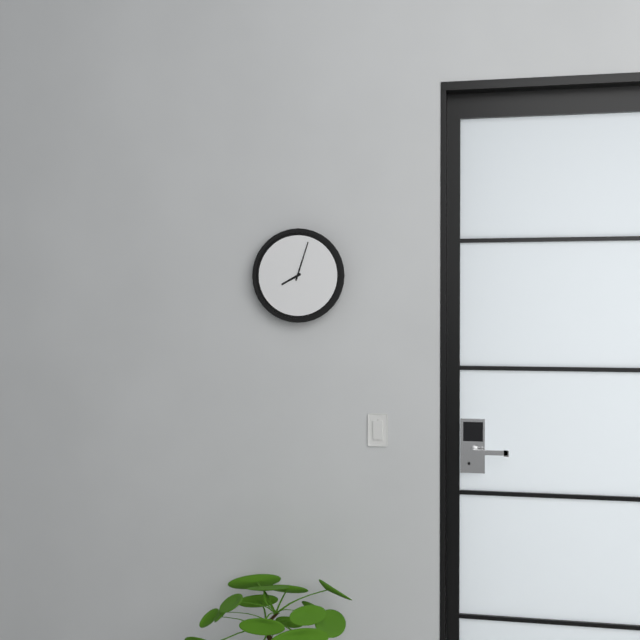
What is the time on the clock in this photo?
8:03
